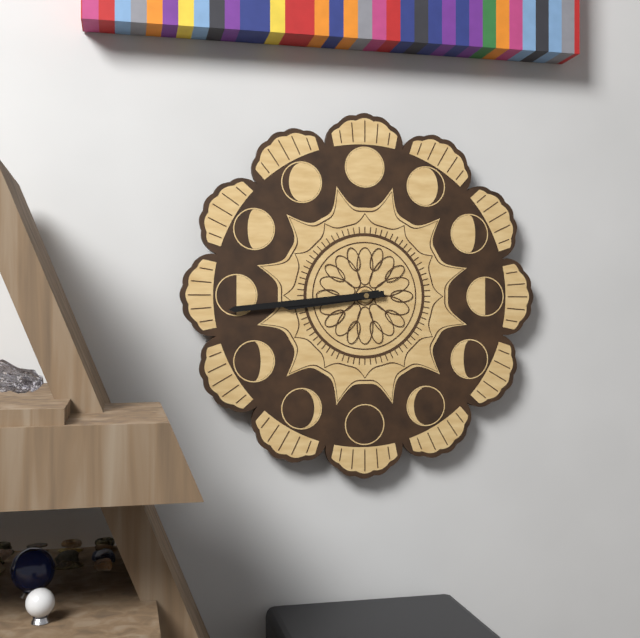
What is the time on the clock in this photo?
8:44
